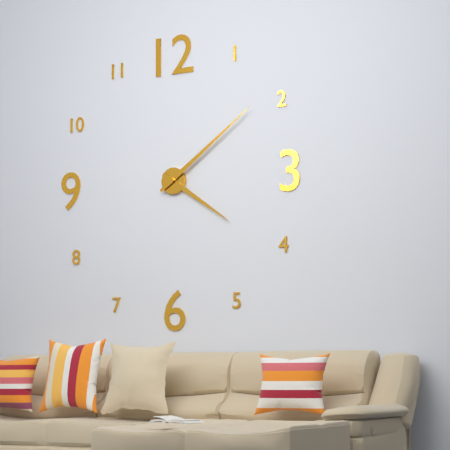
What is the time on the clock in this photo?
4:09
